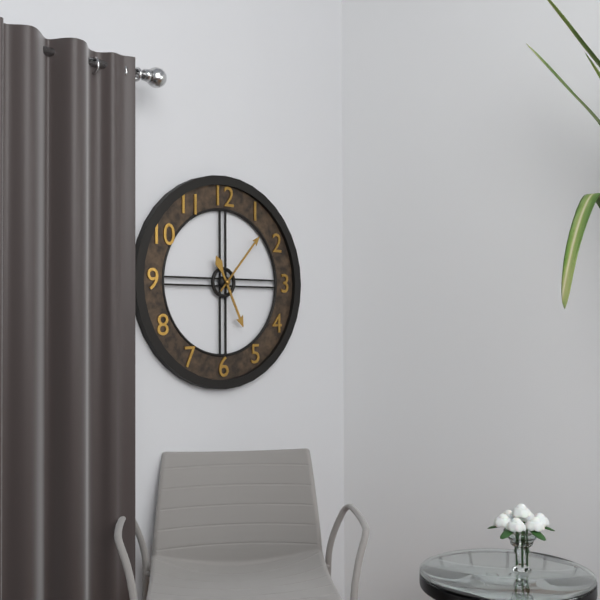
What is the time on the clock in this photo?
5:07
